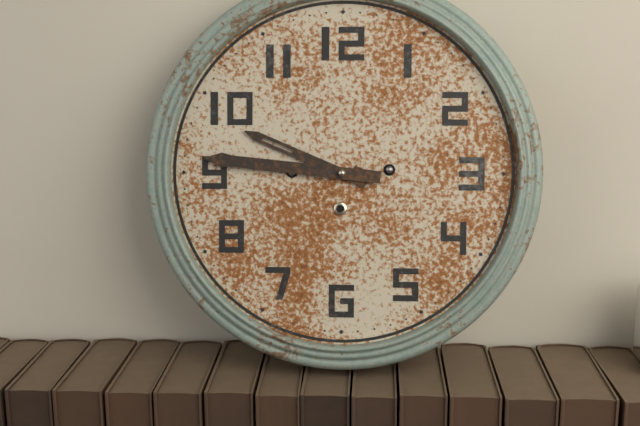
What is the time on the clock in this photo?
9:46
